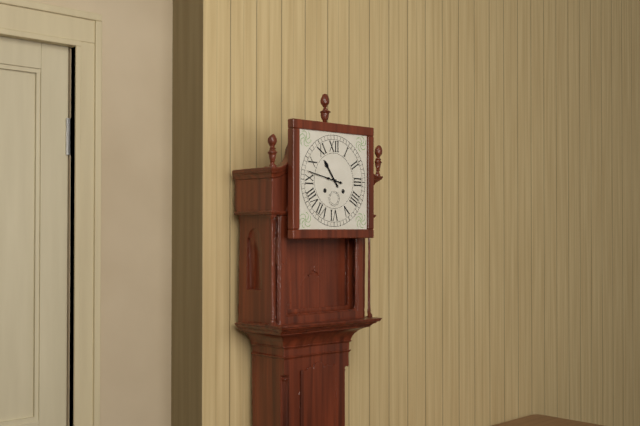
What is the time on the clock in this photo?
10:47
